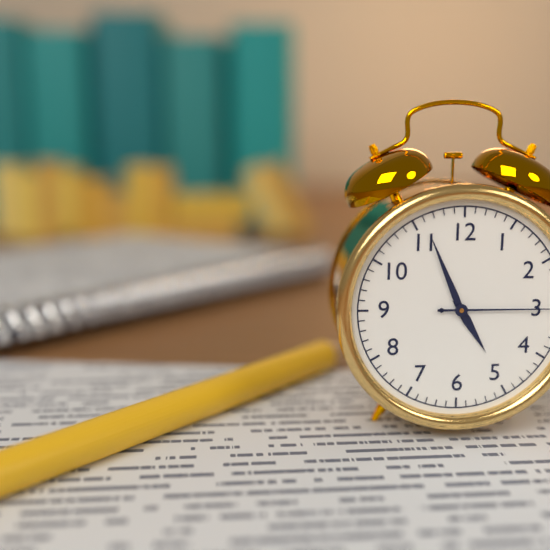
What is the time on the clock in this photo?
4:56:15
